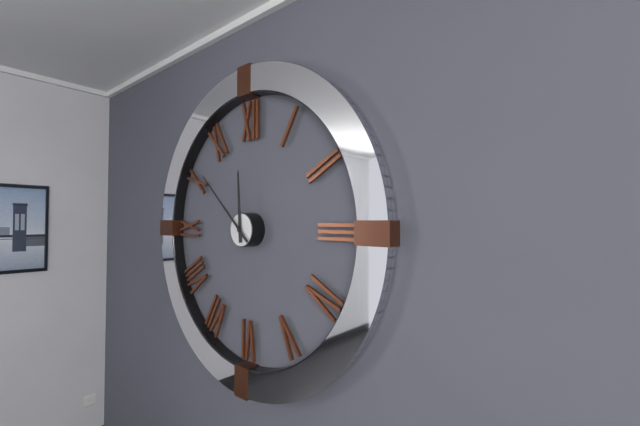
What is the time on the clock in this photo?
11:52
